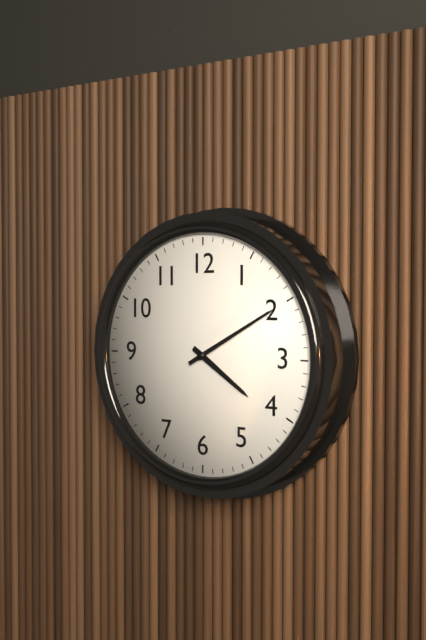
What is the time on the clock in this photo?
4:10
